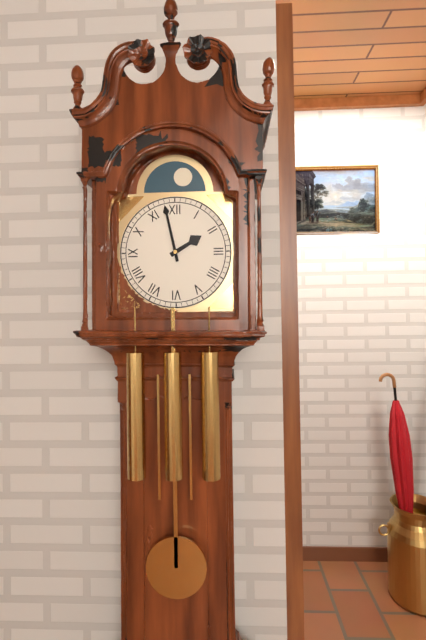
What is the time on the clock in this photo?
1:58
